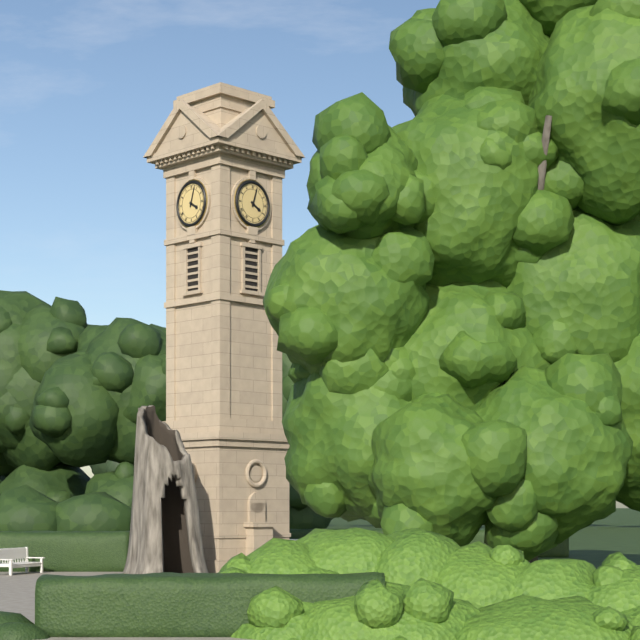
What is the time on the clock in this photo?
4:03
